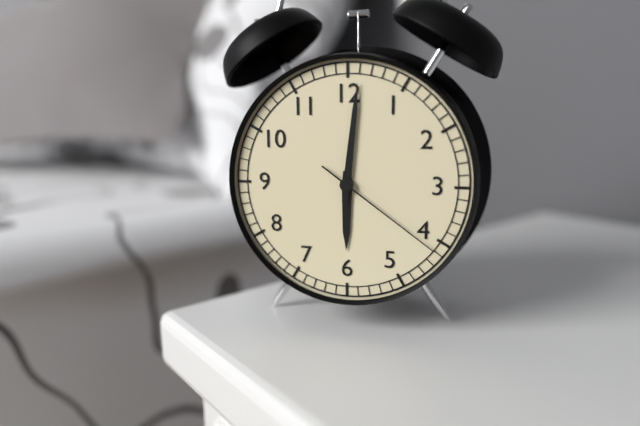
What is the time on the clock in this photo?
6:01:21
